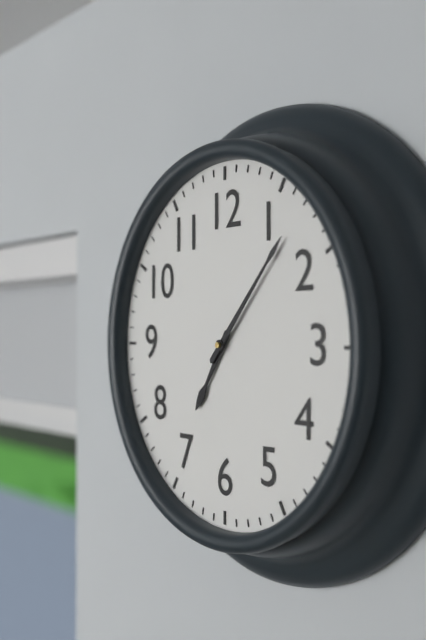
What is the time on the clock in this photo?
7:07
